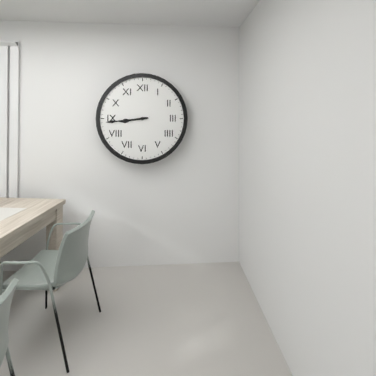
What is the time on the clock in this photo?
8:44
